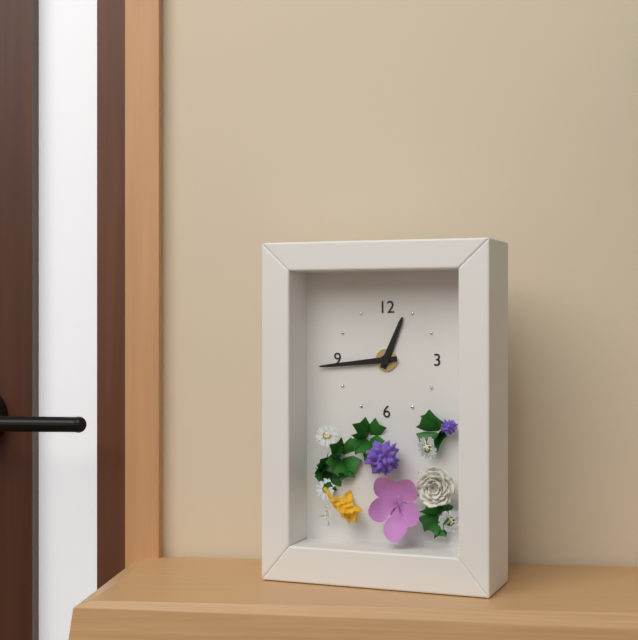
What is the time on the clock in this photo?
12:44
